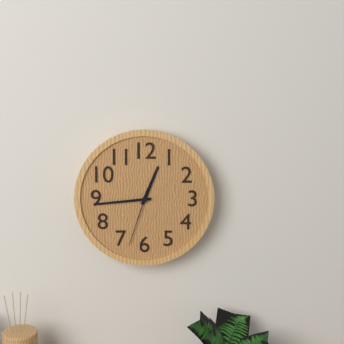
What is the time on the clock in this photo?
12:44:33
